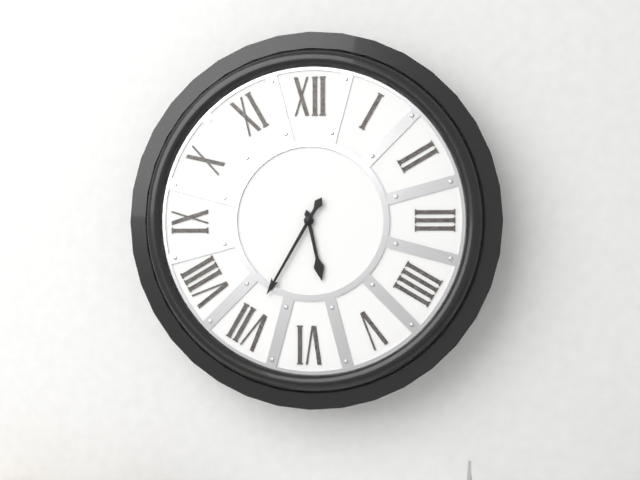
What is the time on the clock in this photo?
5:35
